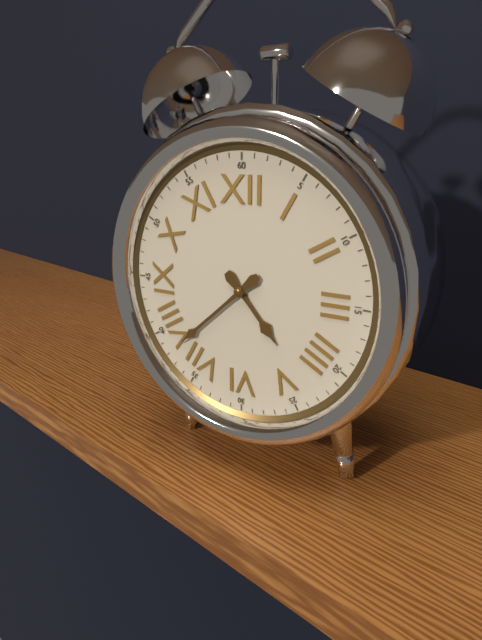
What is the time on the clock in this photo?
4:38
